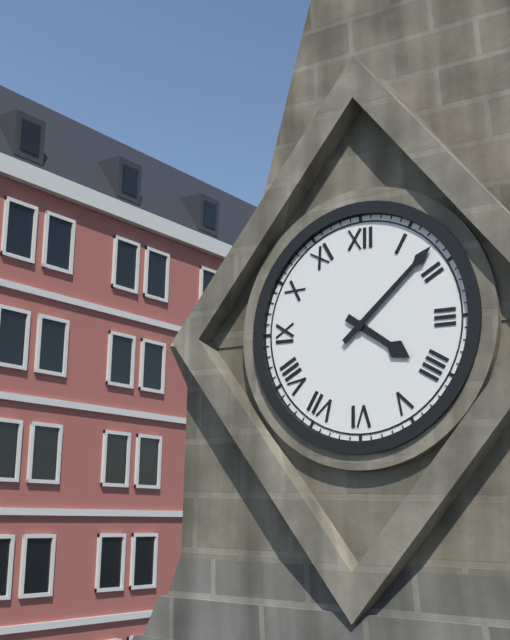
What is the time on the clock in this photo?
4:08
